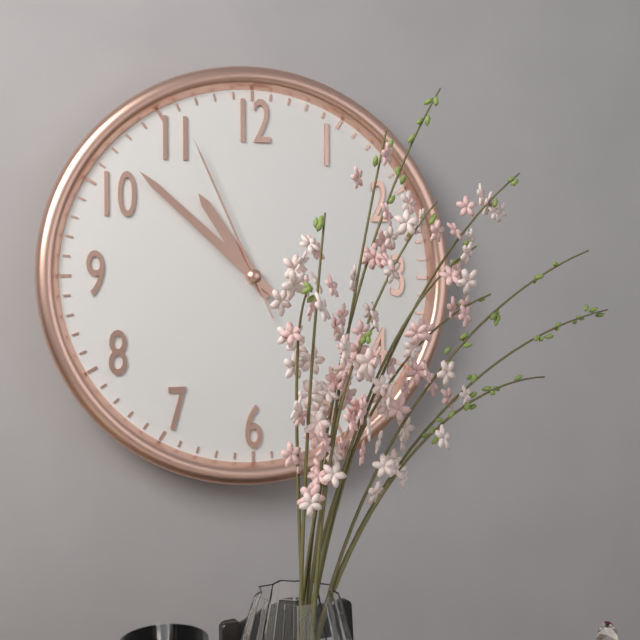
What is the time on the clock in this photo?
10:52:56
